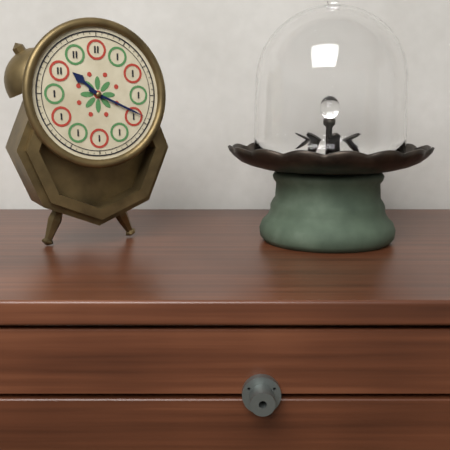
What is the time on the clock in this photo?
10:19
